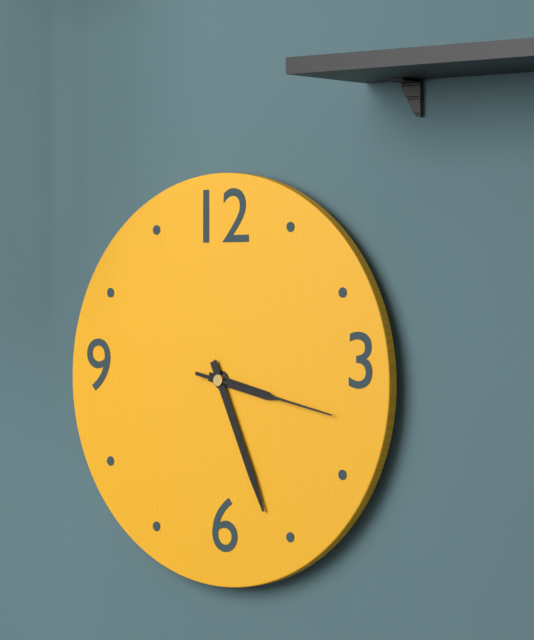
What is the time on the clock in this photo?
3:26:17
